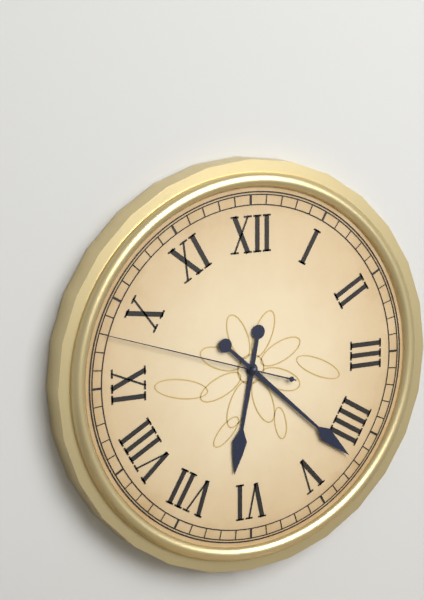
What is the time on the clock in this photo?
6:22:48
